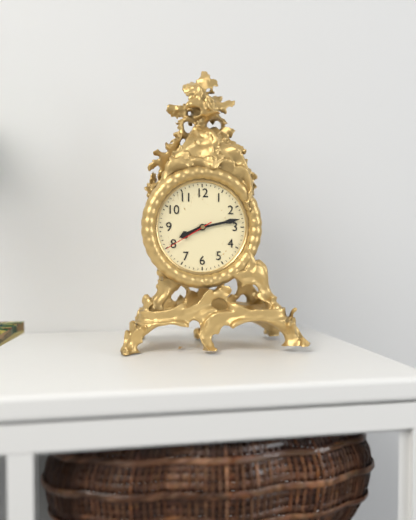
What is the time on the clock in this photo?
8:13:40
